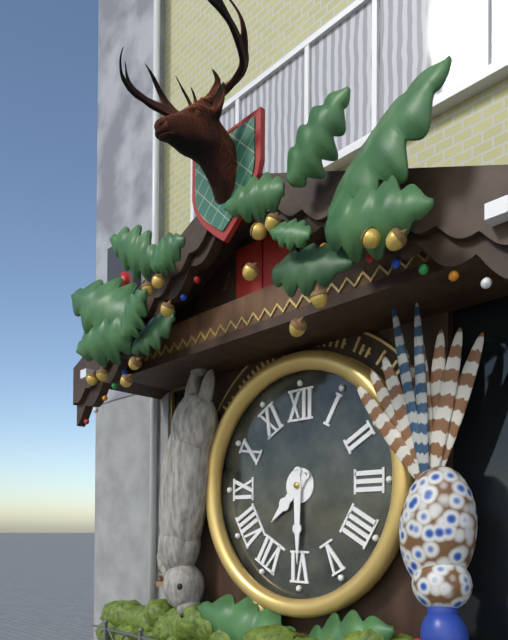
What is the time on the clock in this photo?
7:30
